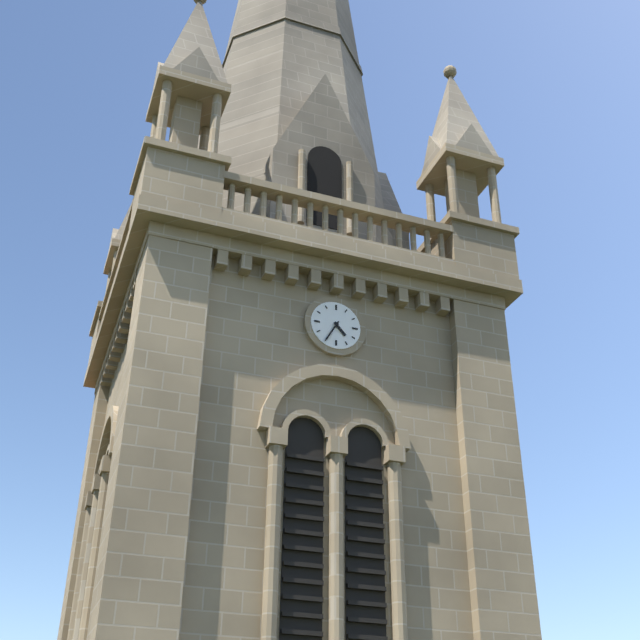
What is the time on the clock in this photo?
4:35
